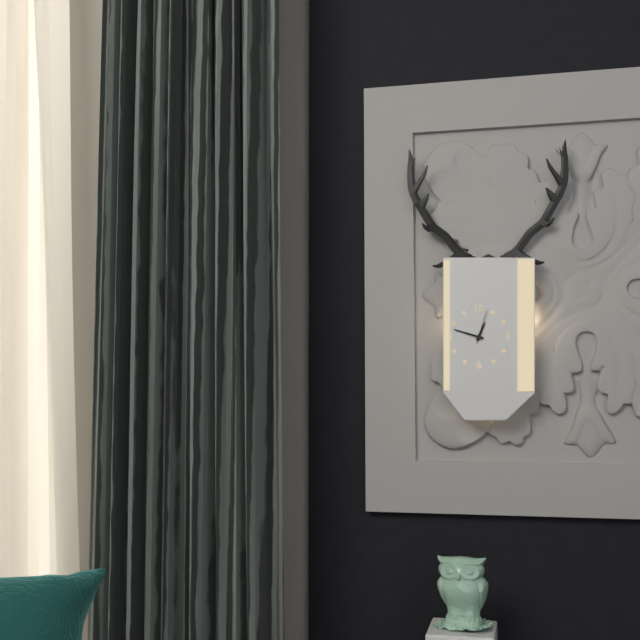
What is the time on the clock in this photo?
12:48
